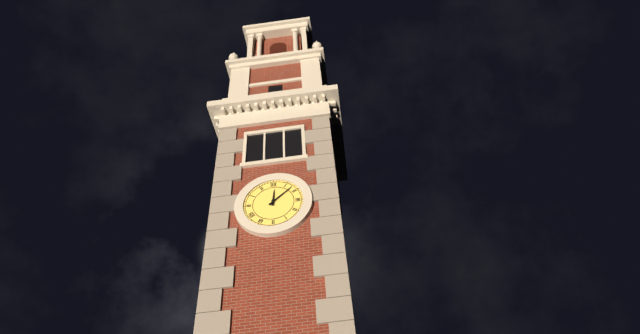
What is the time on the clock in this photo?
12:08
